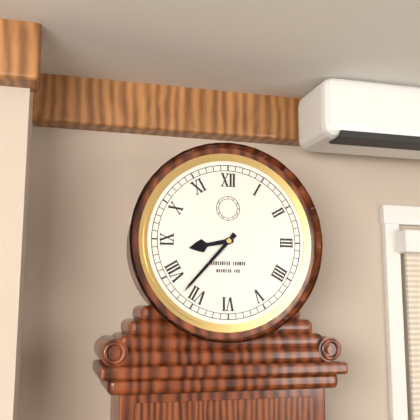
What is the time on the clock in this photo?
8:37
